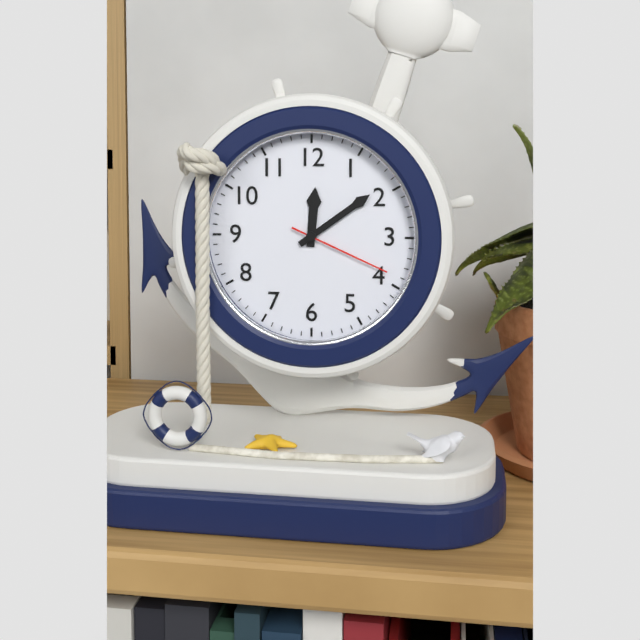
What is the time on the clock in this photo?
12:09:19
